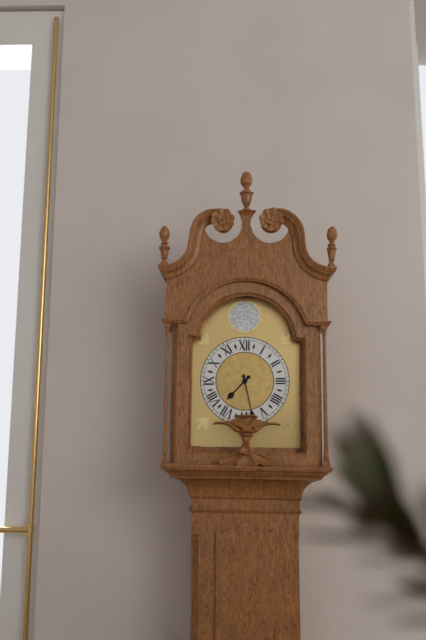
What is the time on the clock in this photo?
7:28
